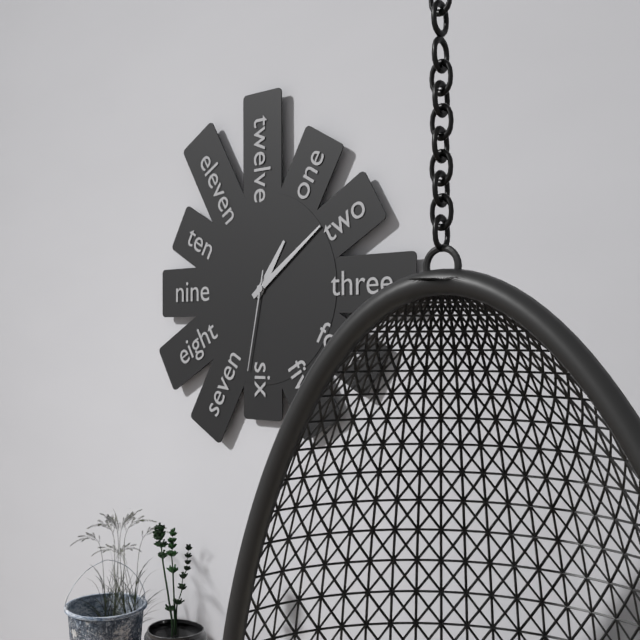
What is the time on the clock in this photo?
1:09:32
